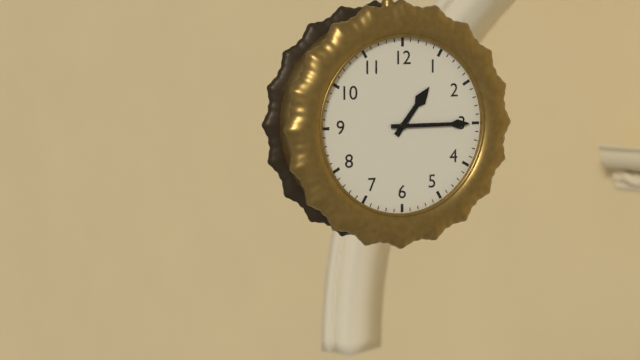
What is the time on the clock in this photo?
1:15
